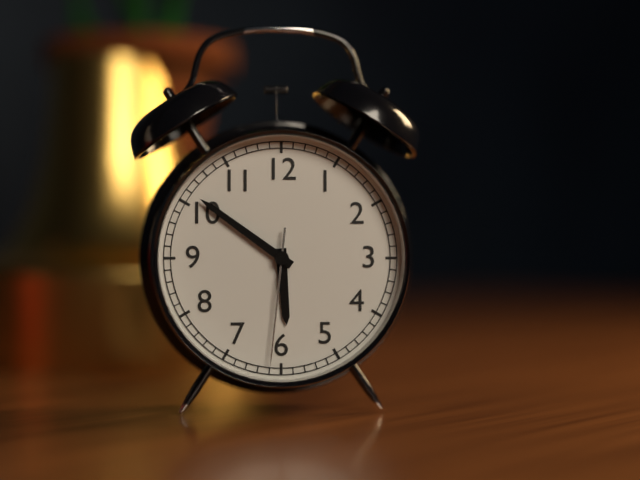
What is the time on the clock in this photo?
5:51:31
